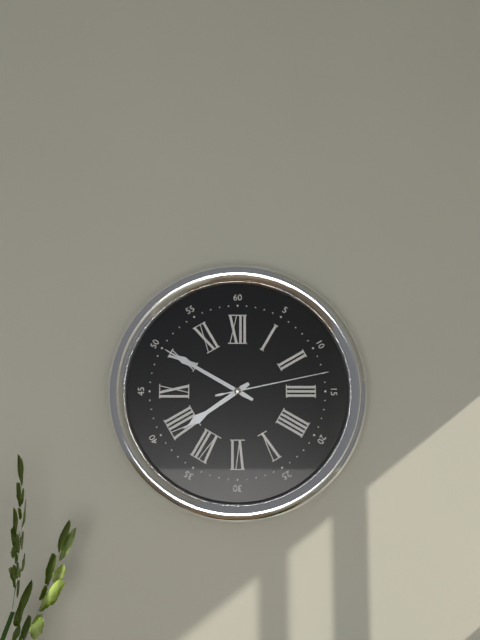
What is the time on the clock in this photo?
7:50:13
